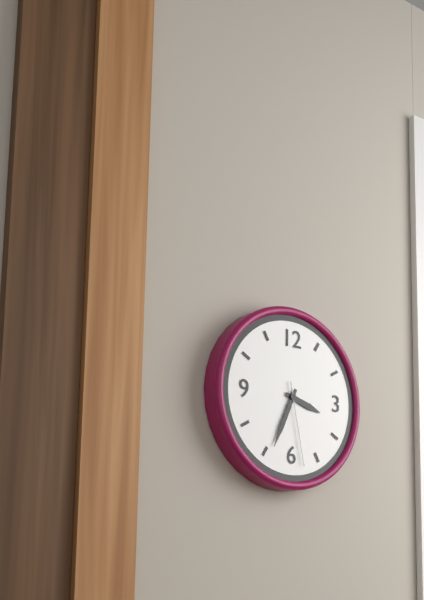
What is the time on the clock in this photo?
3:34:28
